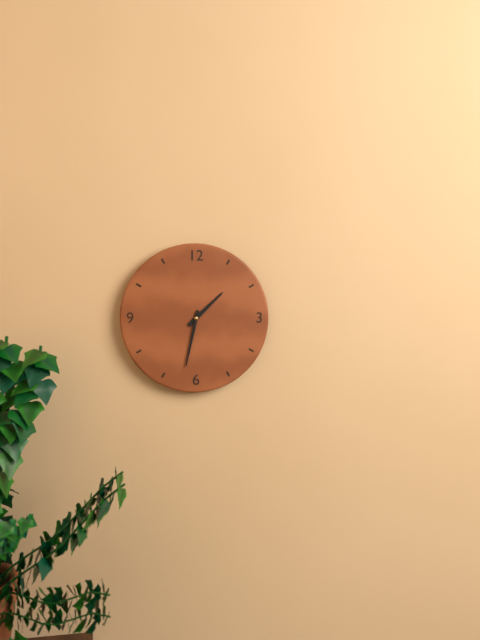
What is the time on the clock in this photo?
1:32
